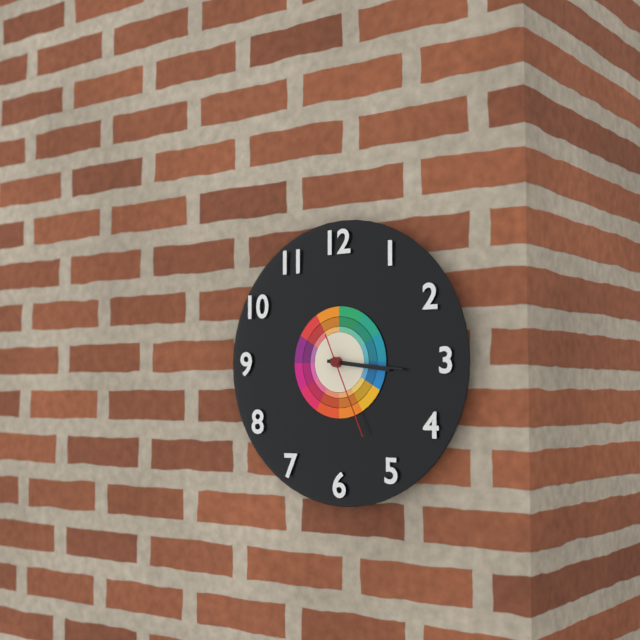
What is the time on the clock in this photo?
3:16:26
